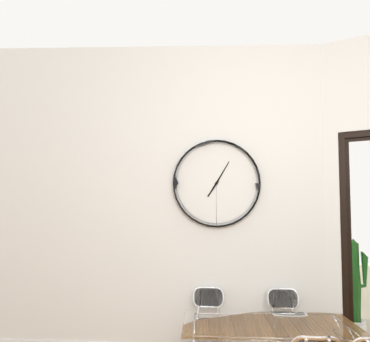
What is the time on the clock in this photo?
7:05
